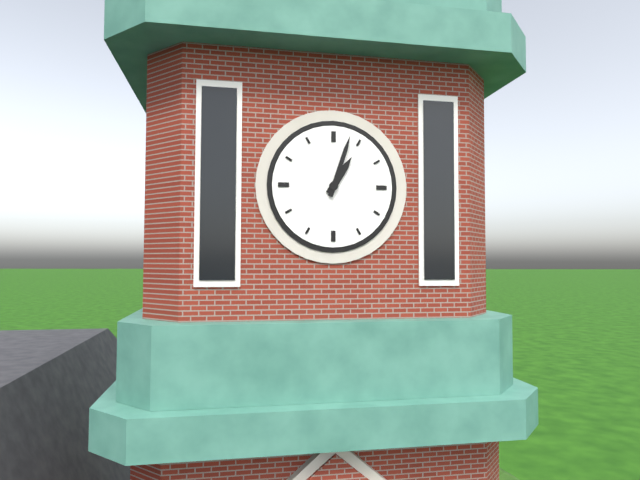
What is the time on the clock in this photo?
1:03
